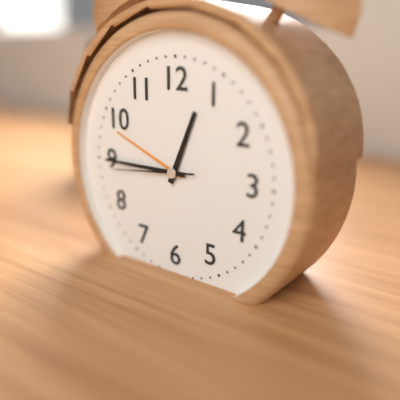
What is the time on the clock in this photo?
12:45:44
